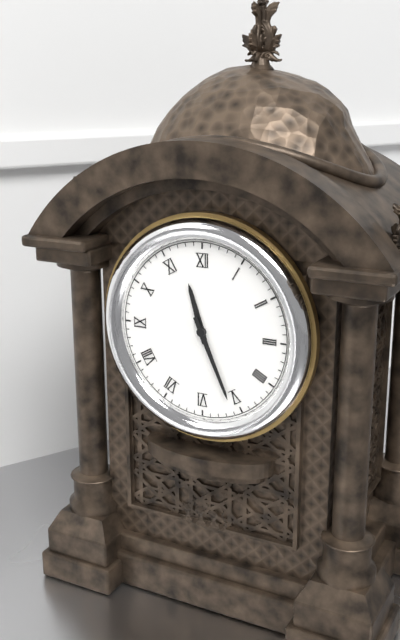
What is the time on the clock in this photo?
11:26
